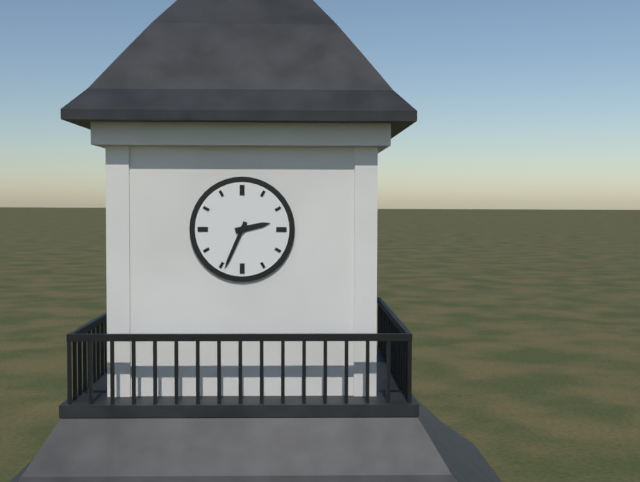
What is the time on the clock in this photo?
2:34
